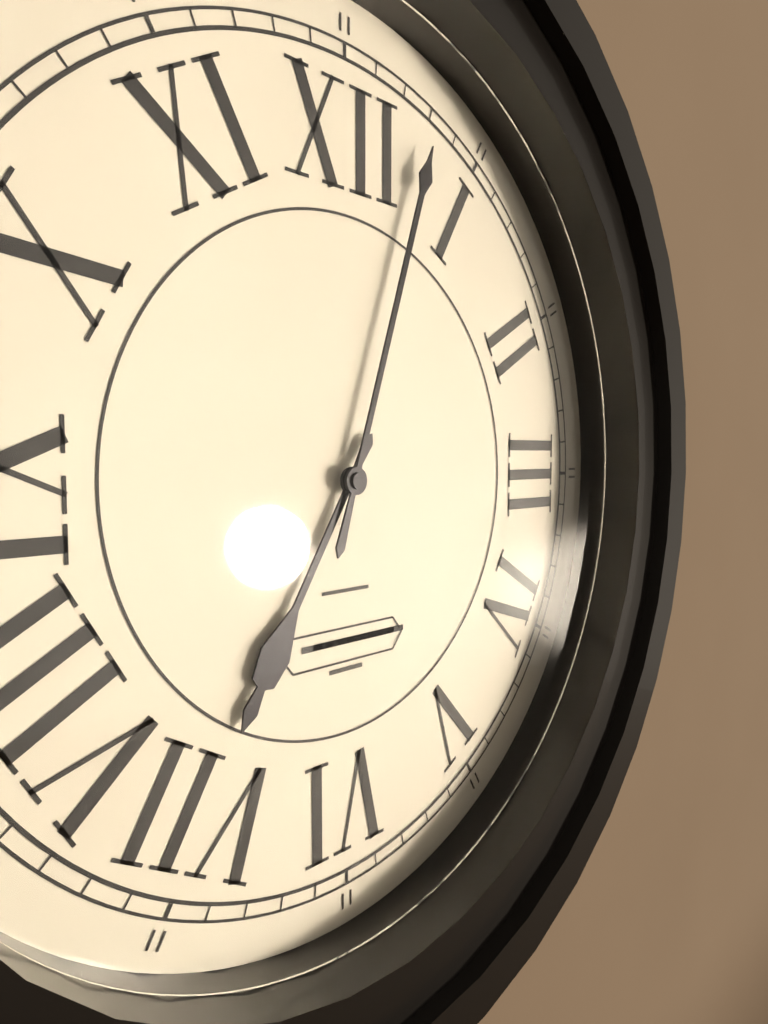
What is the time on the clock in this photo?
7:03
